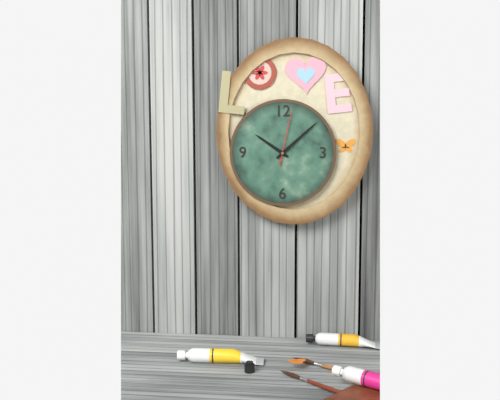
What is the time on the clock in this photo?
10:08:02
